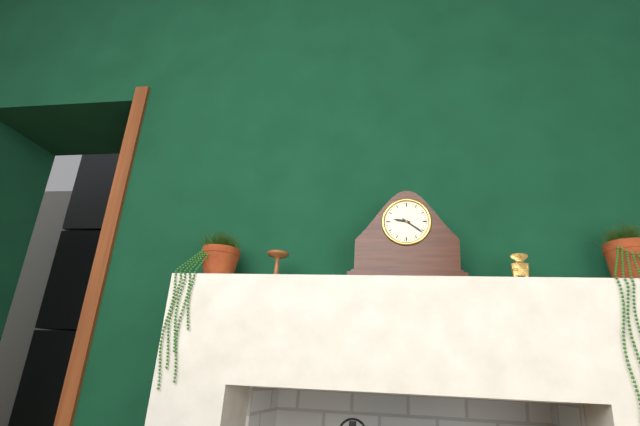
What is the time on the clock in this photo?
9:21
